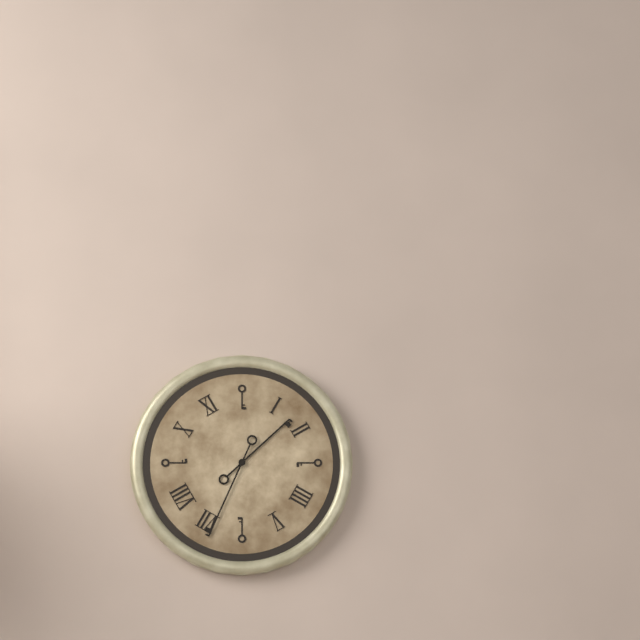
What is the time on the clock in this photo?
1:34
